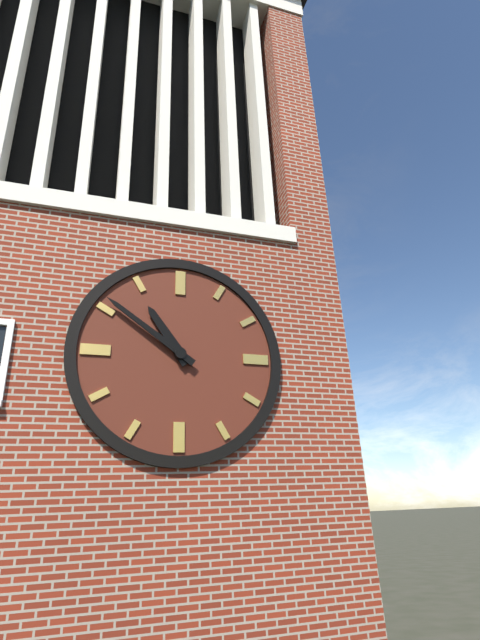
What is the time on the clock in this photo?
10:51
